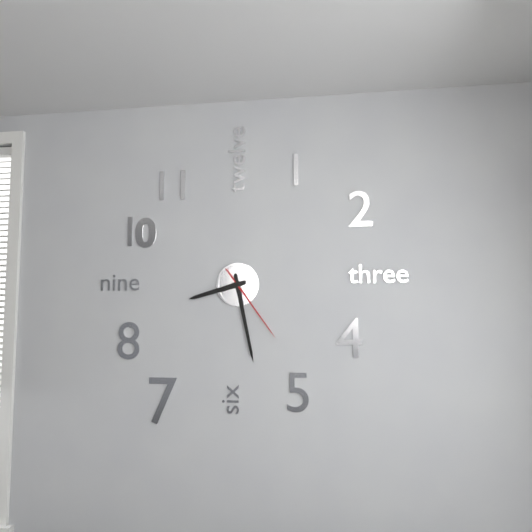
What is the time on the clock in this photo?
8:28:24
